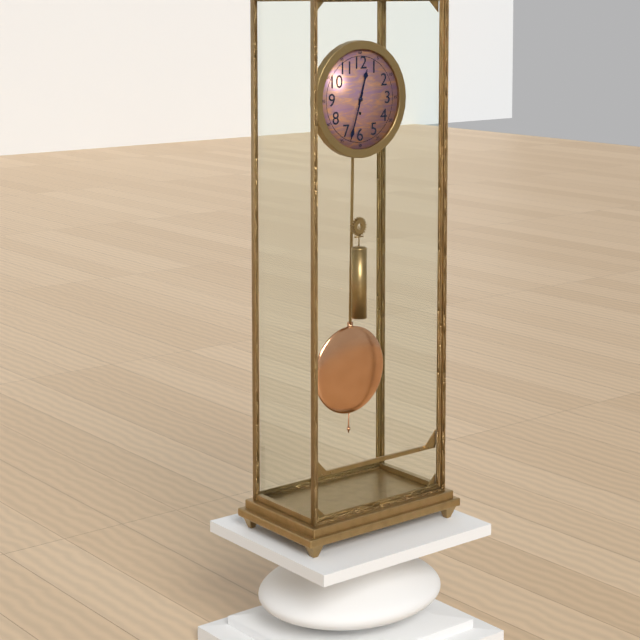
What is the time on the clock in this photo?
12:33
